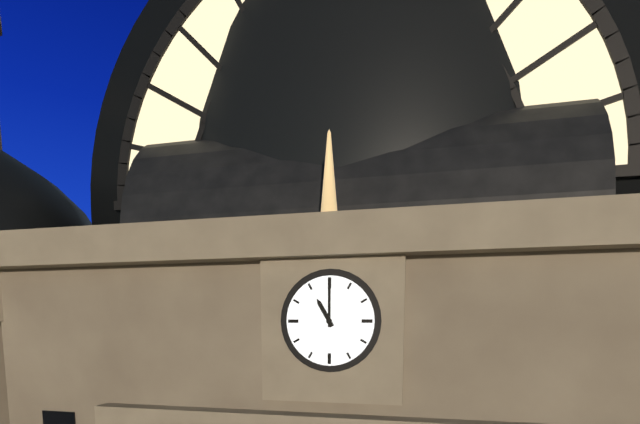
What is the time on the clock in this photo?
11:00
